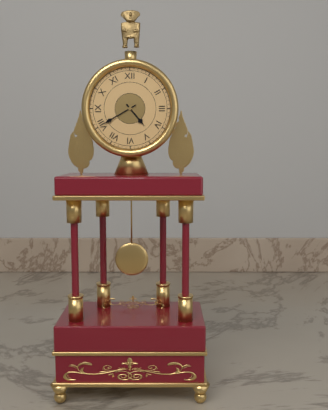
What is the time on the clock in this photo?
4:40
